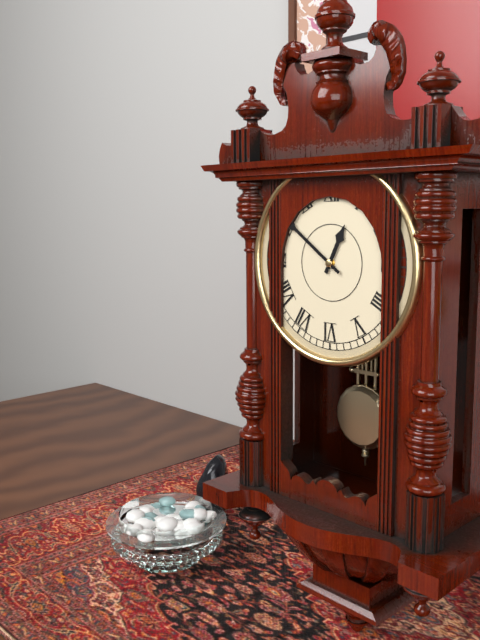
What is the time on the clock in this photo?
12:51
